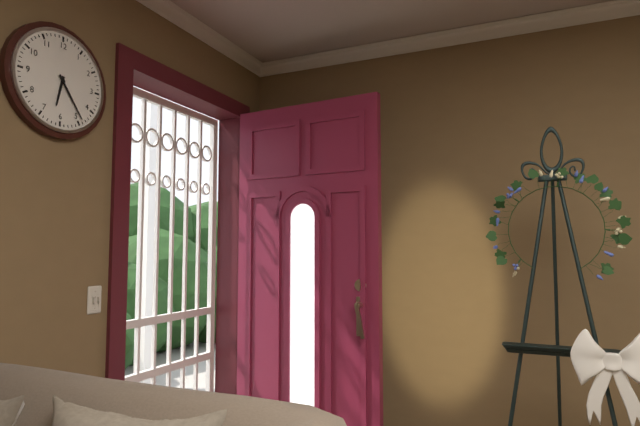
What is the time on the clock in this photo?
6:24
